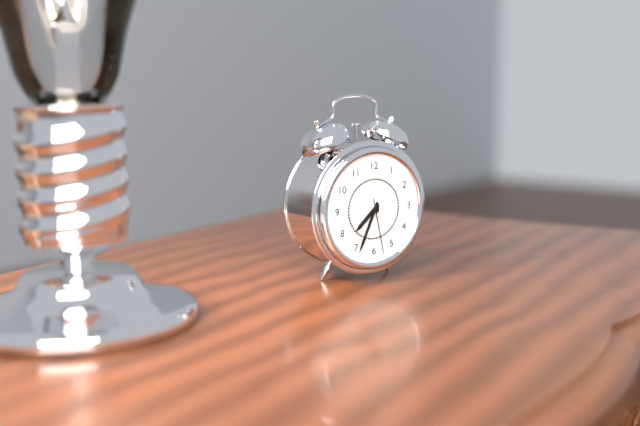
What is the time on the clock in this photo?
7:34:28
